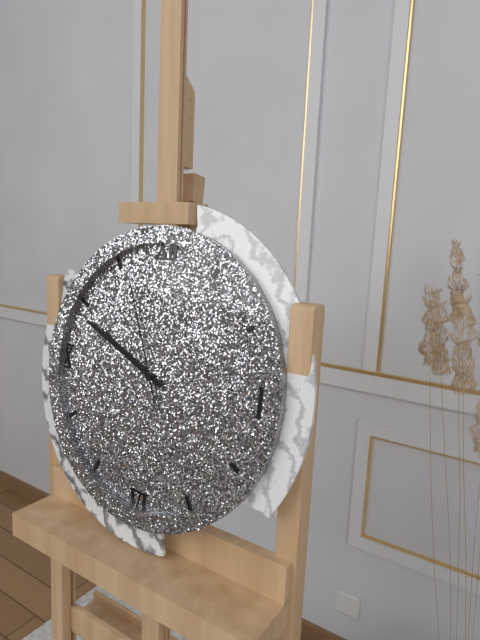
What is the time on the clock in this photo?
9:49:56
